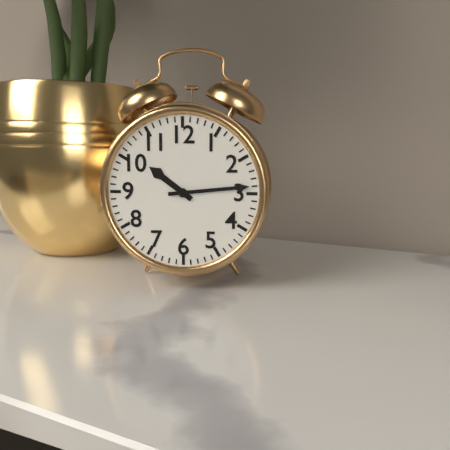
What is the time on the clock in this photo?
10:14
